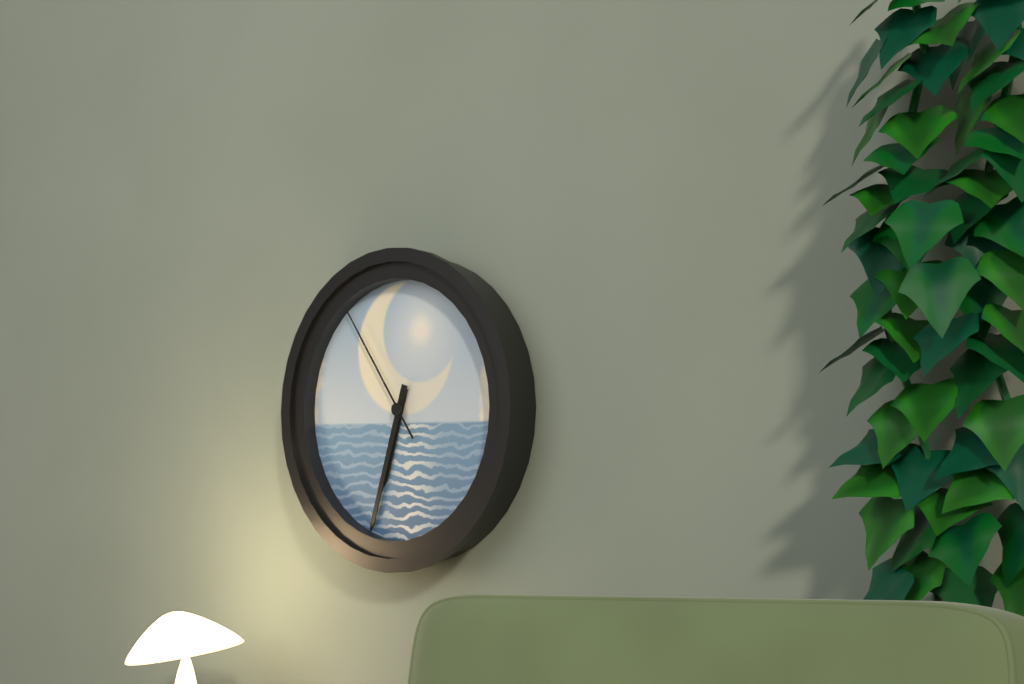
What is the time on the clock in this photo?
6:33:54
